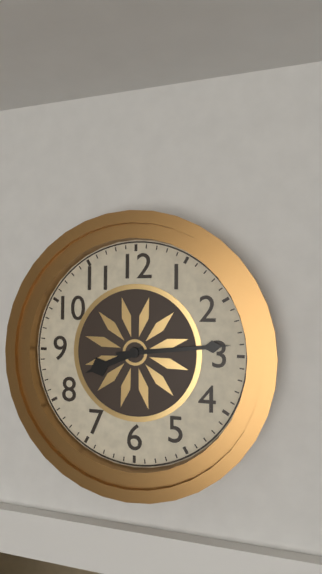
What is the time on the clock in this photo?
8:14
